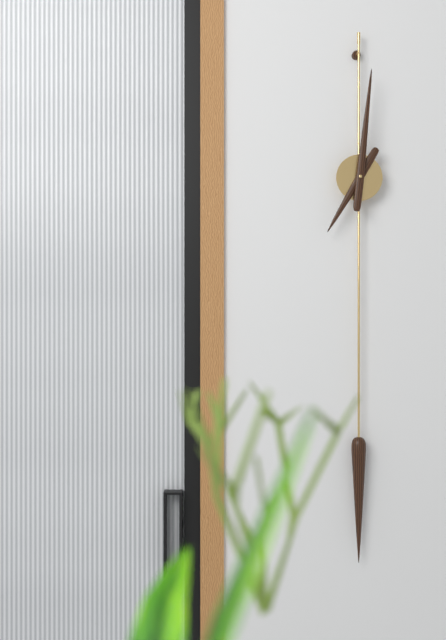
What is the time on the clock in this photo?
7:01
